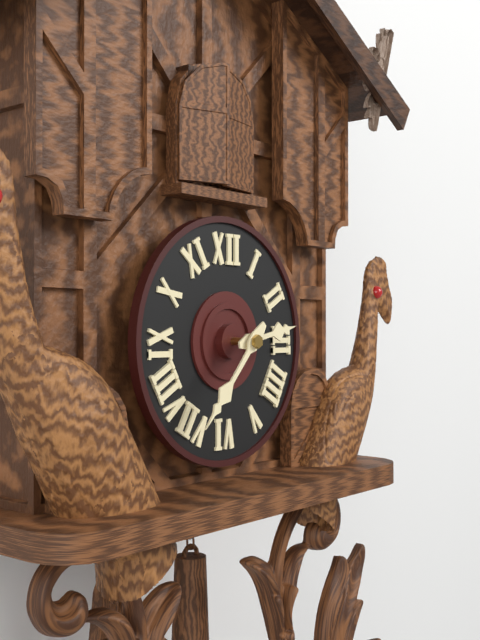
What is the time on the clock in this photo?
2:37
